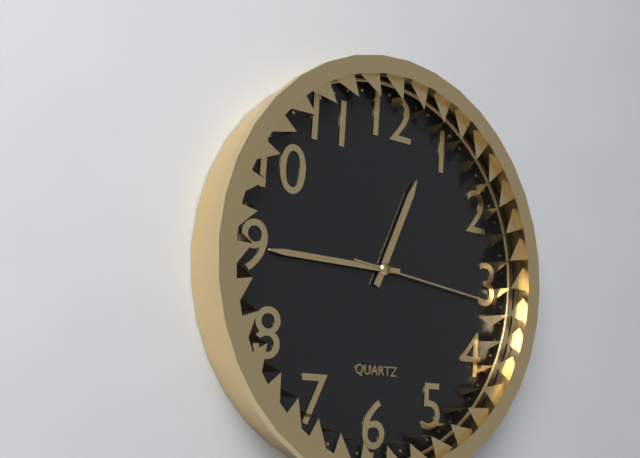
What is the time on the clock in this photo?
12:45:16
